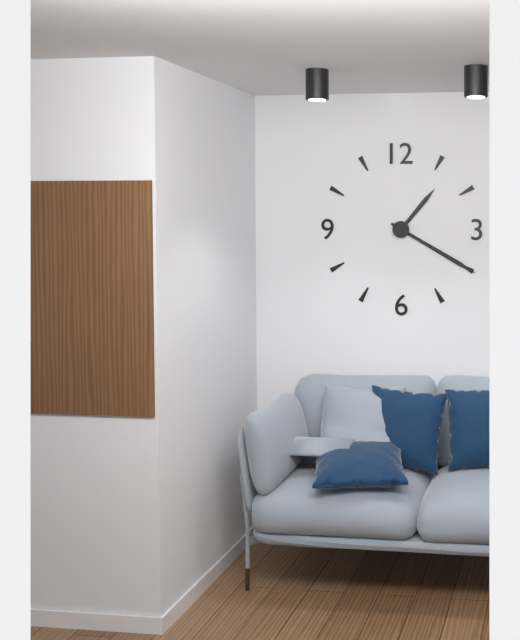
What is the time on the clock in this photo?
1:20
